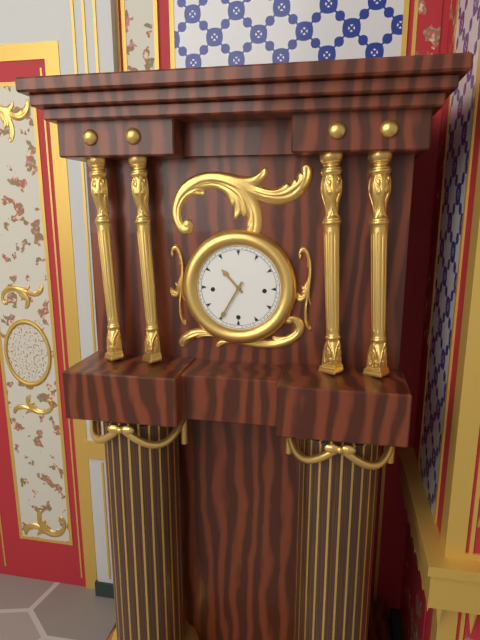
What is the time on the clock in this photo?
10:35
